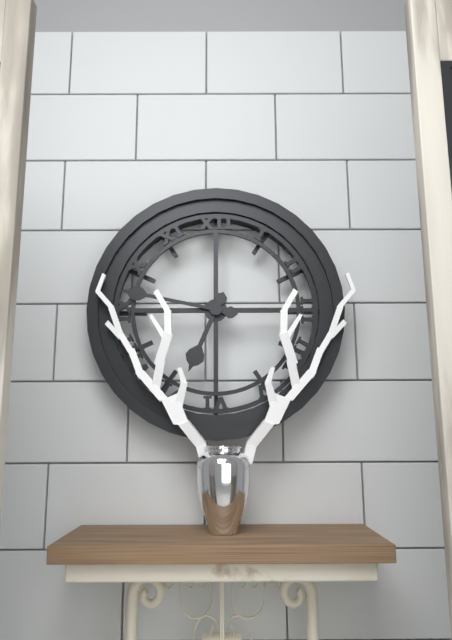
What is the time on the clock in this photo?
6:47
